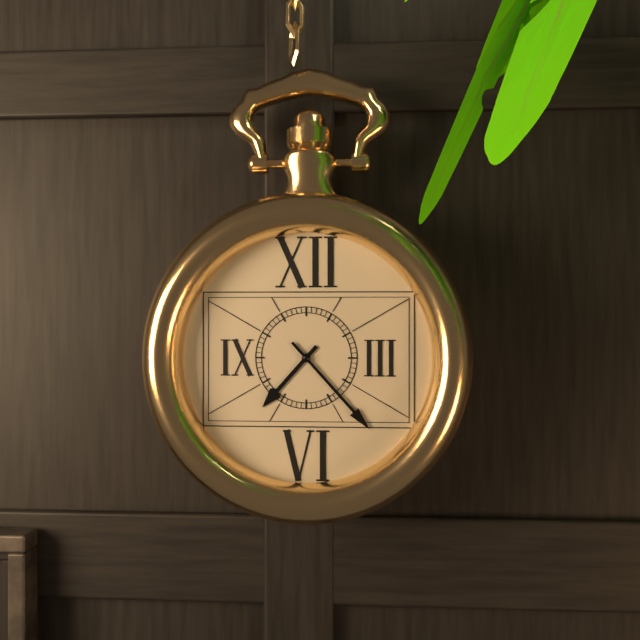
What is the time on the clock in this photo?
7:23
